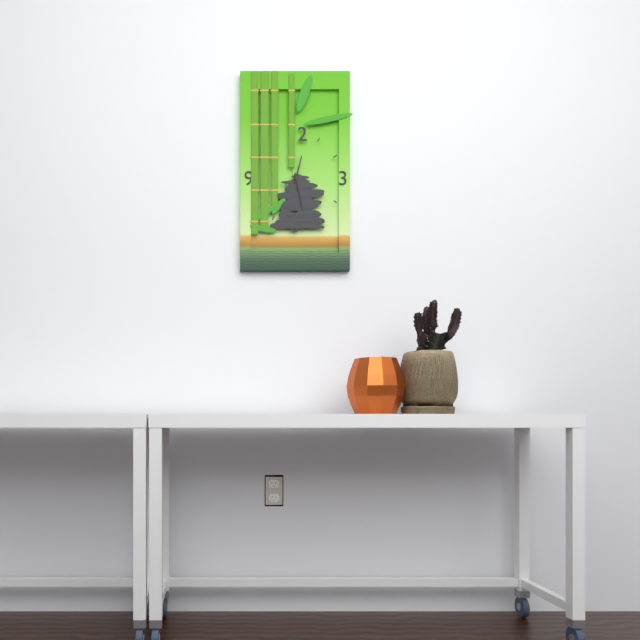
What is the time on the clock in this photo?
12:28
